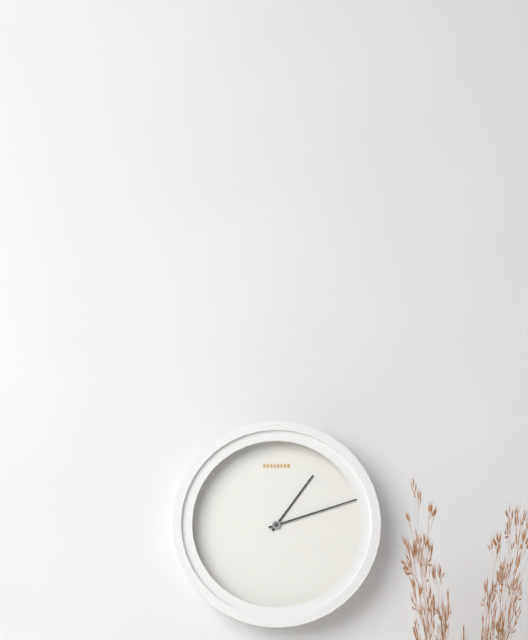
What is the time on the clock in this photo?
1:12
